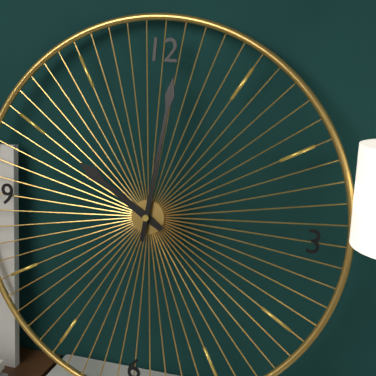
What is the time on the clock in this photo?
10:01
